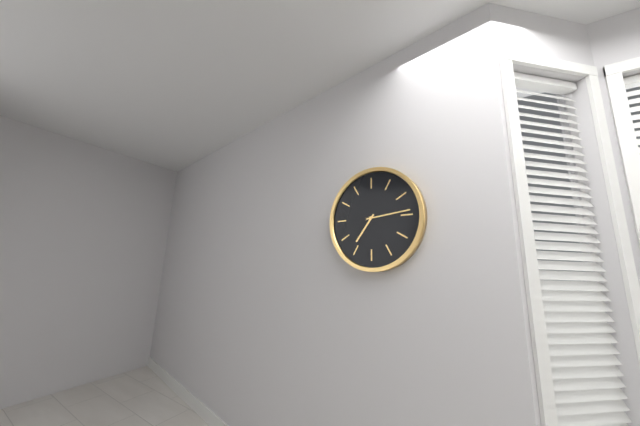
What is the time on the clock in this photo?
7:14
